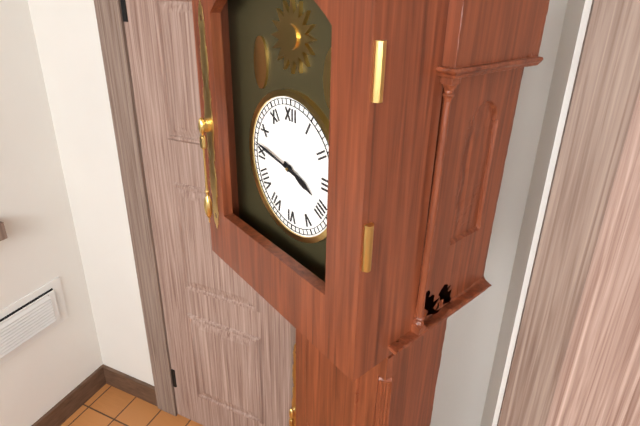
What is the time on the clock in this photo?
3:47
